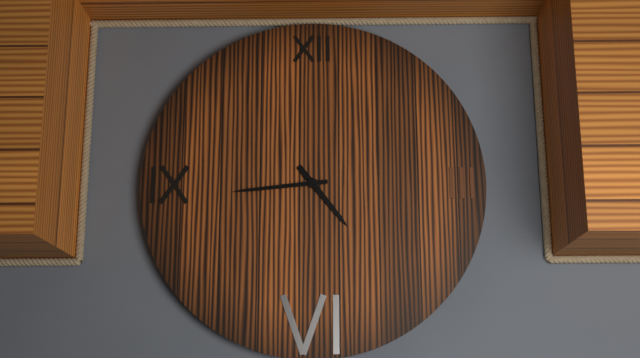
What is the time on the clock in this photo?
4:44
